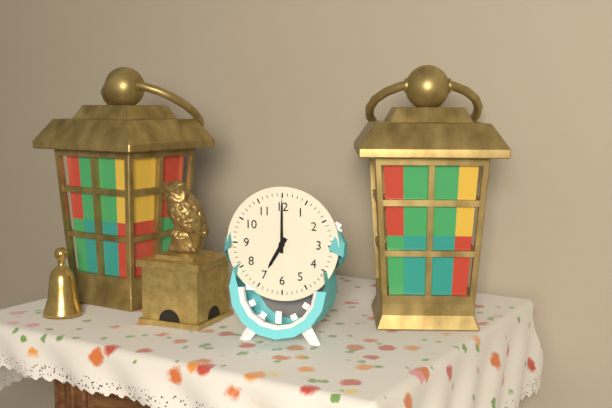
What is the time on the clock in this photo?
7:00
